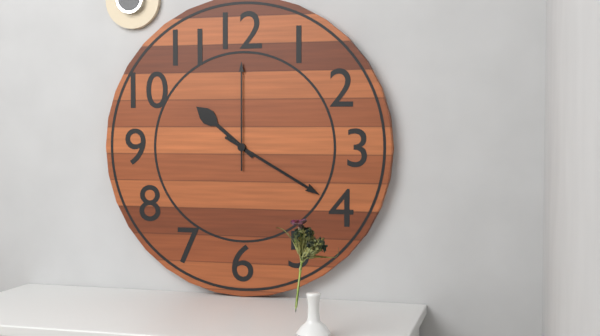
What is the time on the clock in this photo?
10:20:00
